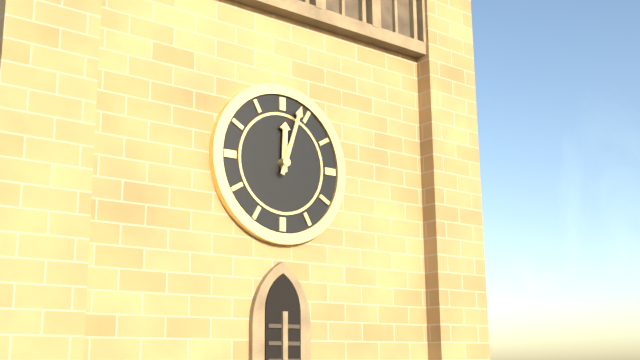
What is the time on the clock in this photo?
12:03
